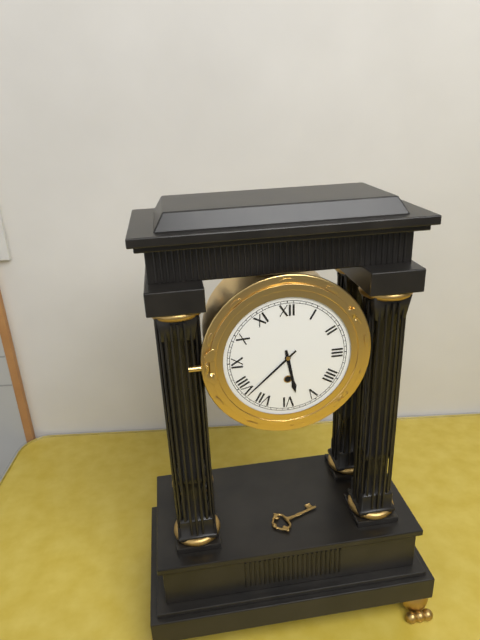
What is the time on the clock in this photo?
5:38
